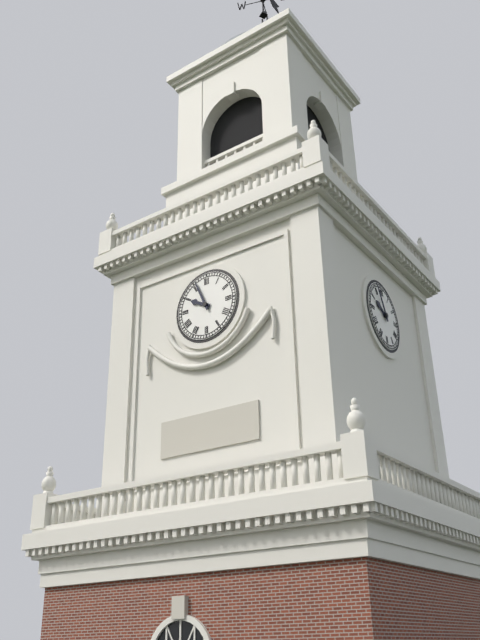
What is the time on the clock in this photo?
9:56
